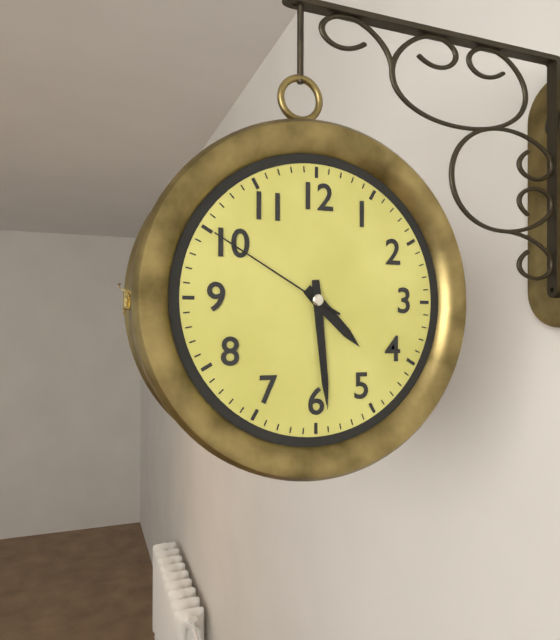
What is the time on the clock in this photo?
4:29:50
